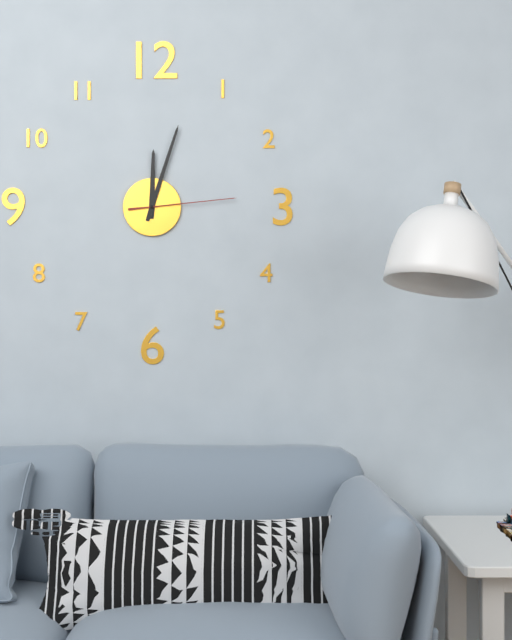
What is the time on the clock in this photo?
12:03:14
